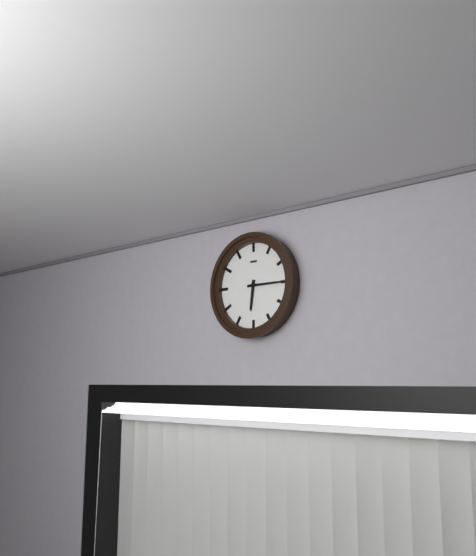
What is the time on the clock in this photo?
6:15
